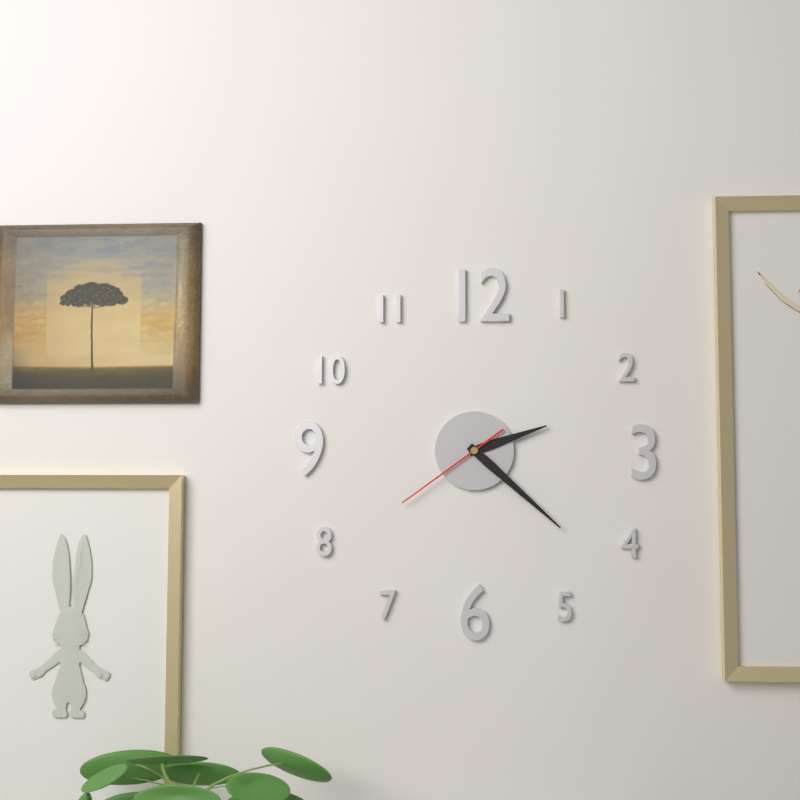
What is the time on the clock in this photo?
2:22:39
